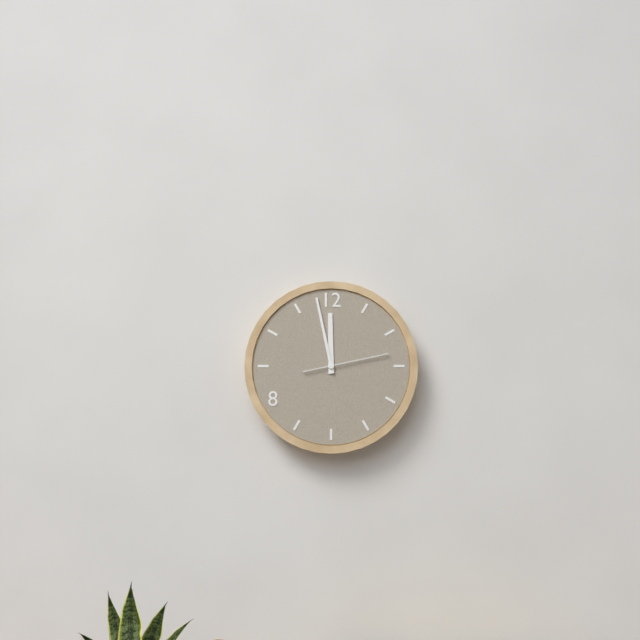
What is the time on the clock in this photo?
11:58:13
